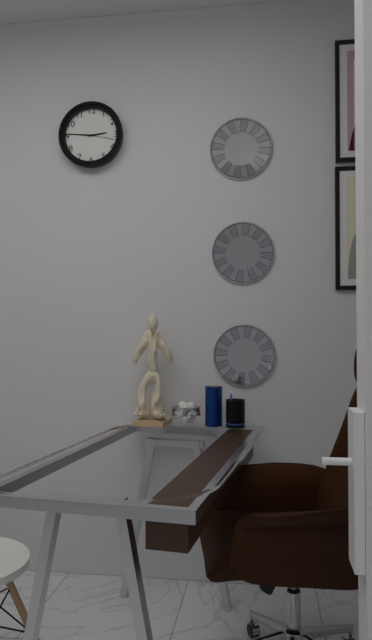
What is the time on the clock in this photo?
2:46
